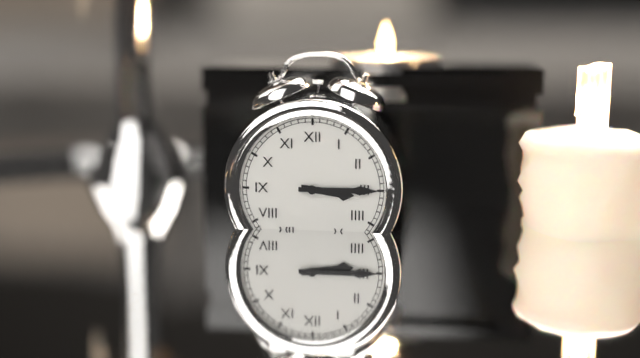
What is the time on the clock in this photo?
3:15
